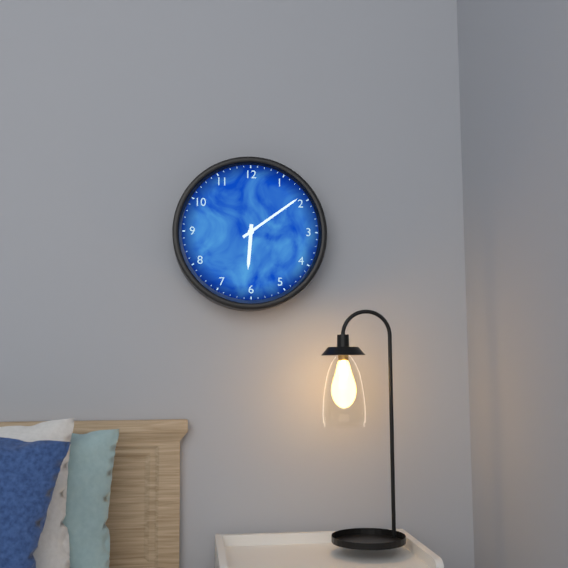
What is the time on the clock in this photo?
6:09
